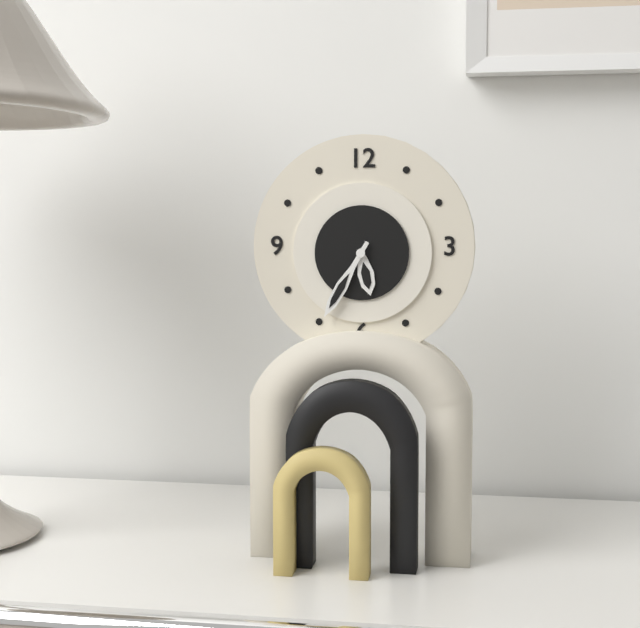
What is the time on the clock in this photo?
5:35
